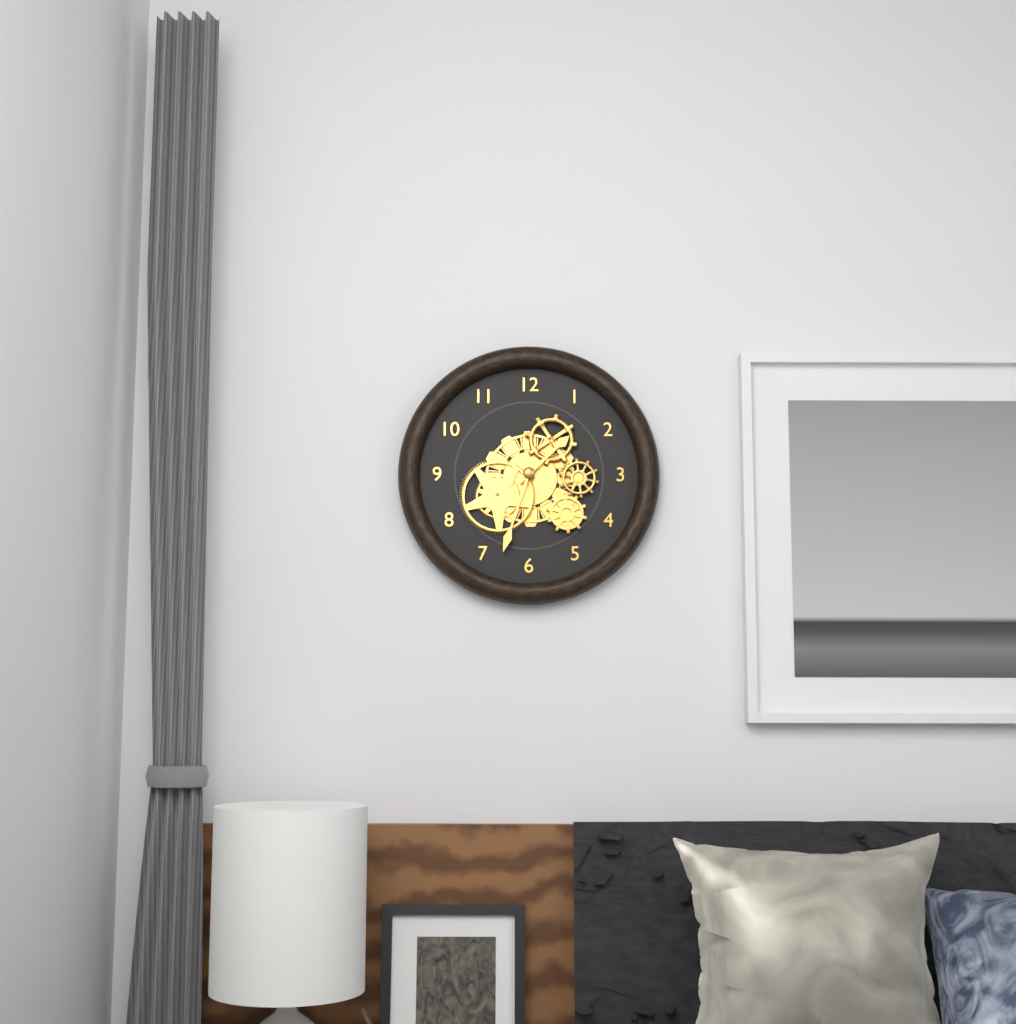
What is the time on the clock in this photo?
1:33
